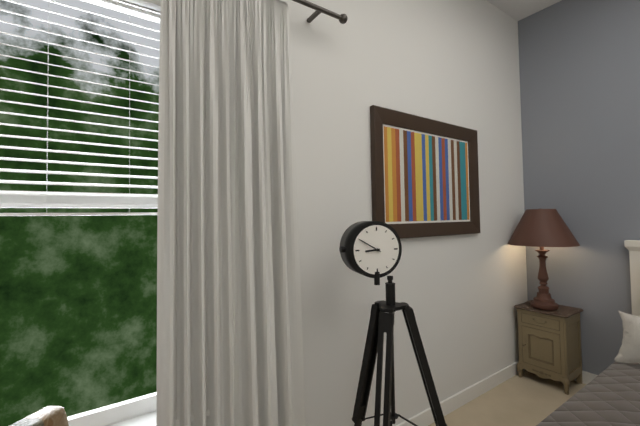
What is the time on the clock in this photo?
8:50
